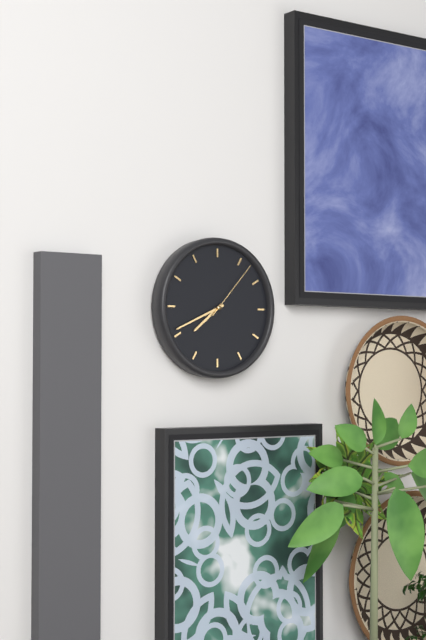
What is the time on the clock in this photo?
7:41:07
